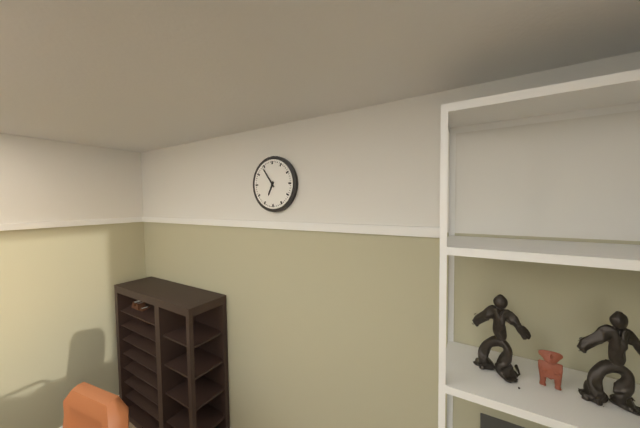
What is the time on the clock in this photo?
6:54
